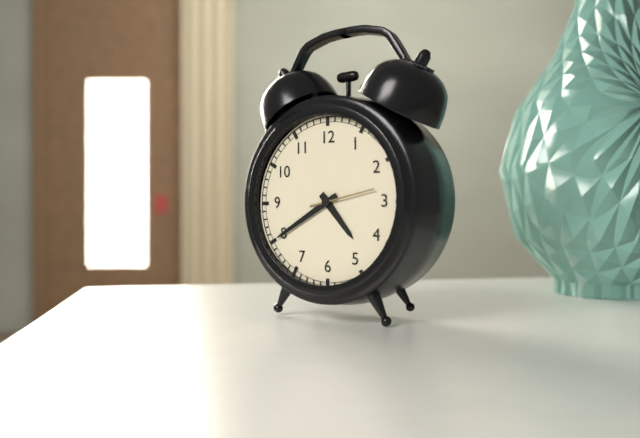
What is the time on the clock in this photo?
4:40:13
